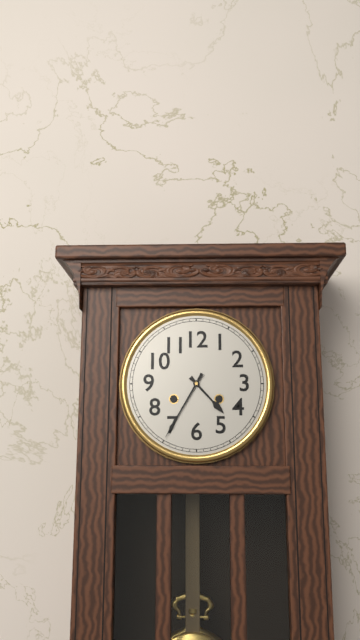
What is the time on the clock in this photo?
4:35
